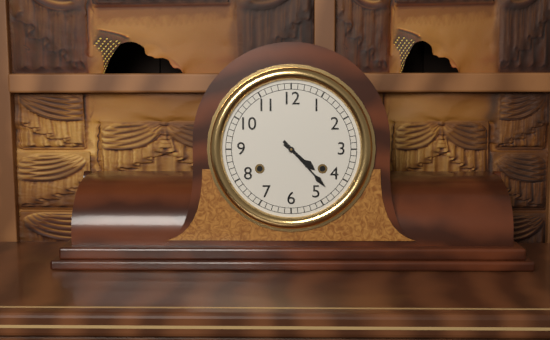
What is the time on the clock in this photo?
4:23
